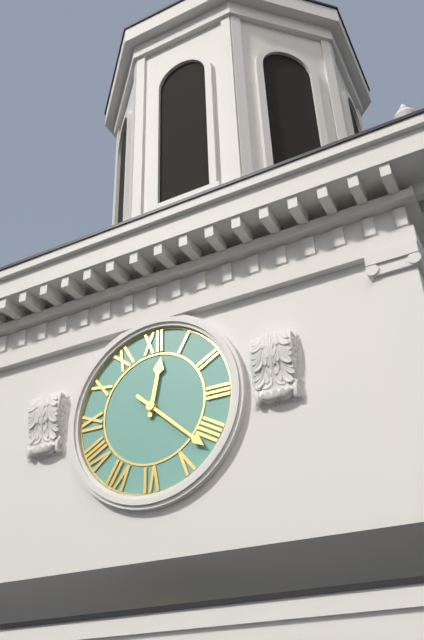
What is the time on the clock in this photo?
12:22
